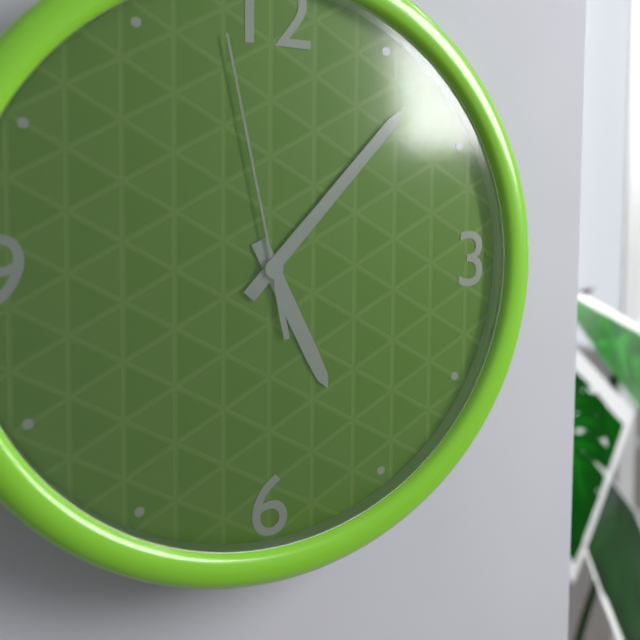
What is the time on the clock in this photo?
5:07:58
